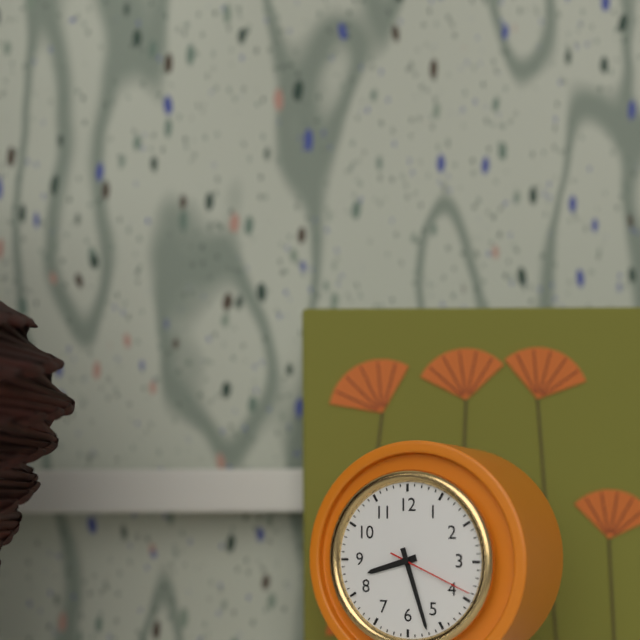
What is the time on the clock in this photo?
8:27:19
